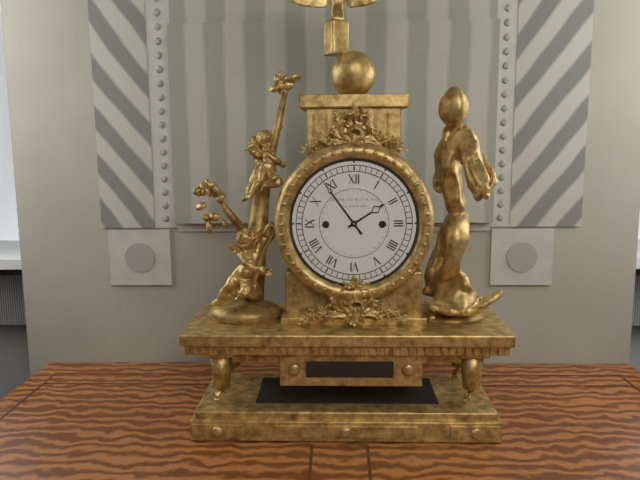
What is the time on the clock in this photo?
1:54
